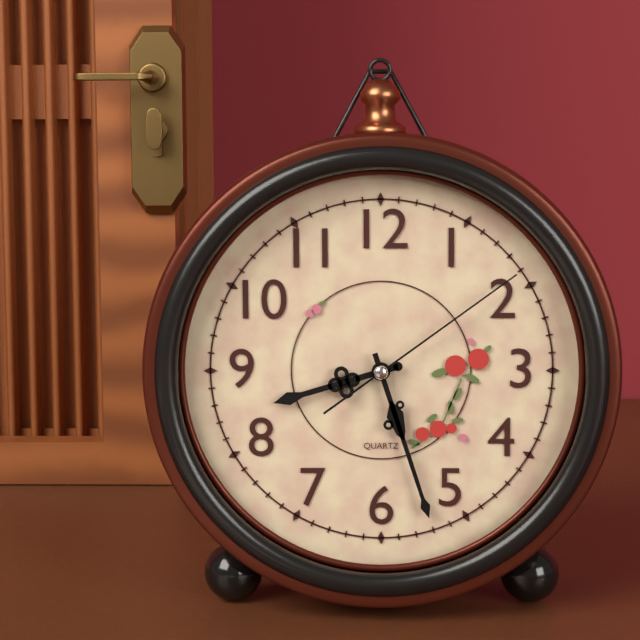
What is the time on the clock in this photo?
8:27:09
